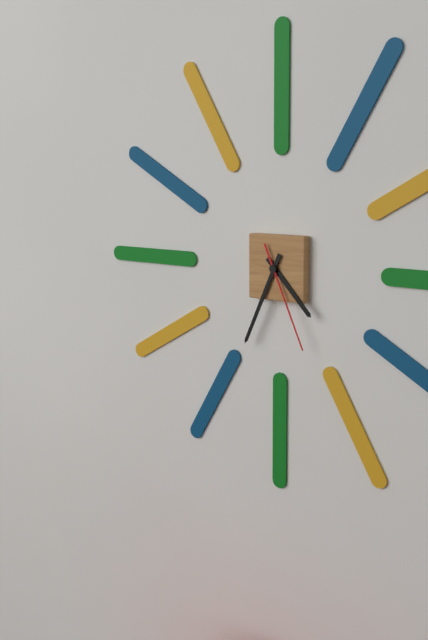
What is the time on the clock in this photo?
4:34:26
